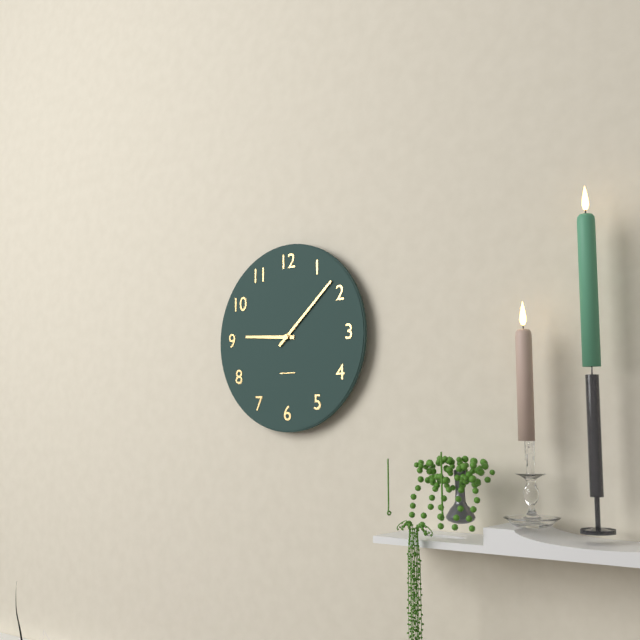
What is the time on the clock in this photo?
9:08
